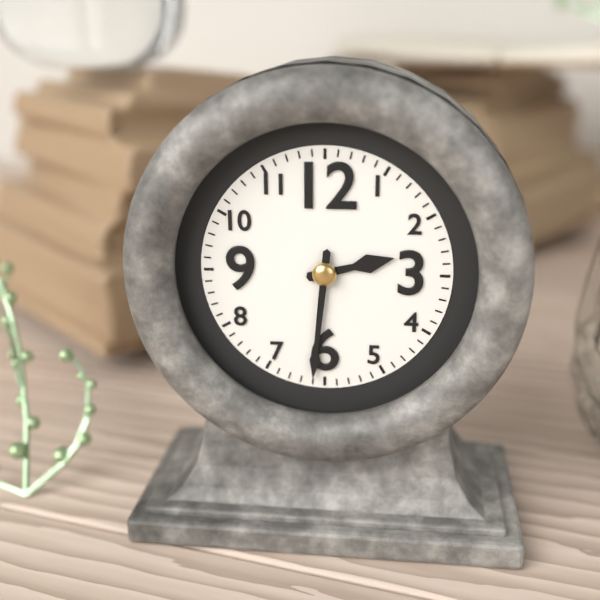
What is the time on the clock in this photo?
2:31
